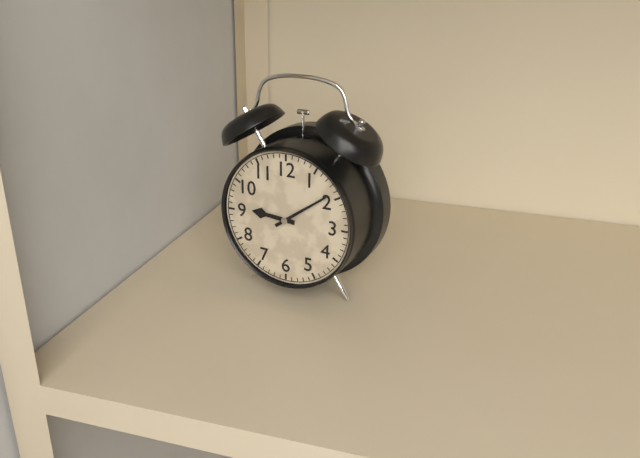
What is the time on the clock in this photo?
9:09
